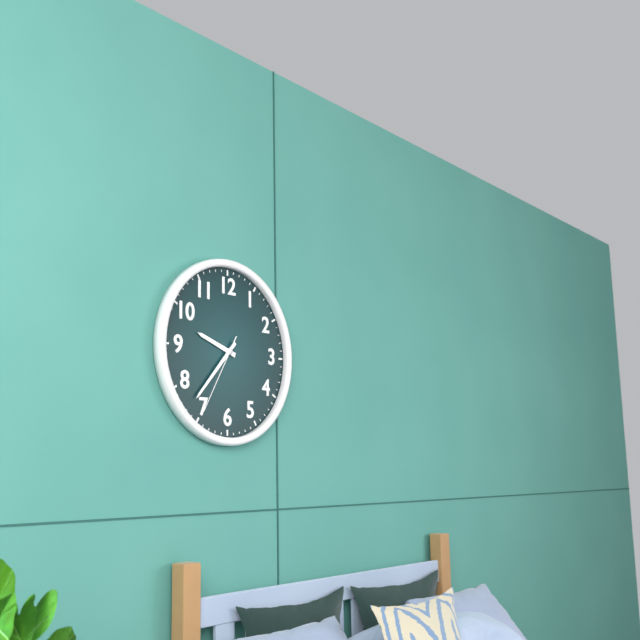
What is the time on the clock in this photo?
9:37:35
